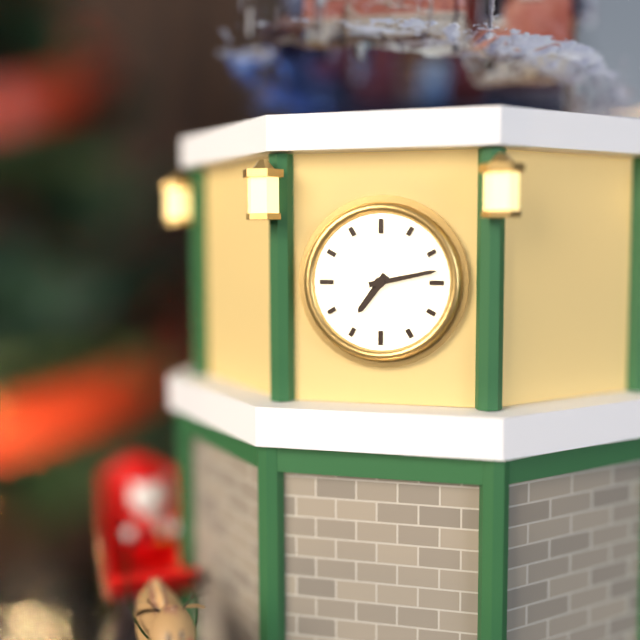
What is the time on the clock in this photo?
7:13
